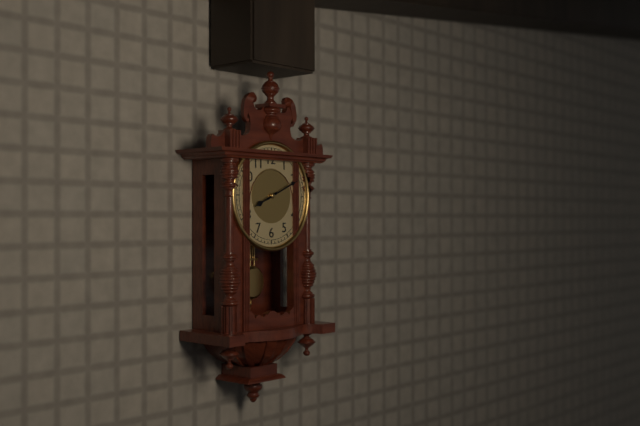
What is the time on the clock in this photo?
8:11
